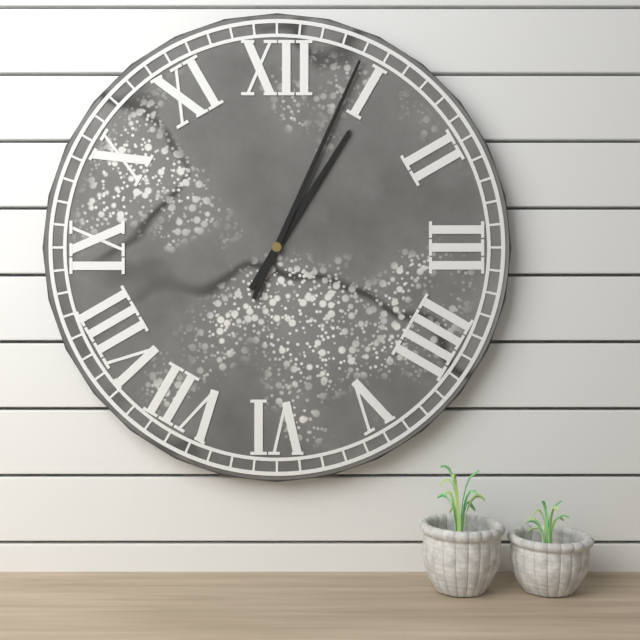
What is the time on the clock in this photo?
1:04
